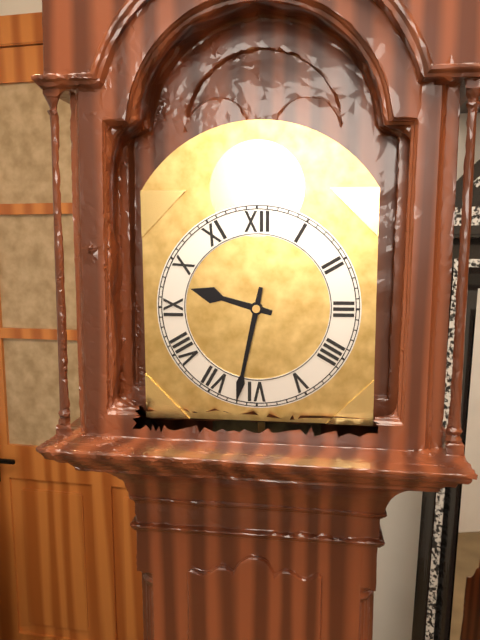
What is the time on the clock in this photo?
9:32
